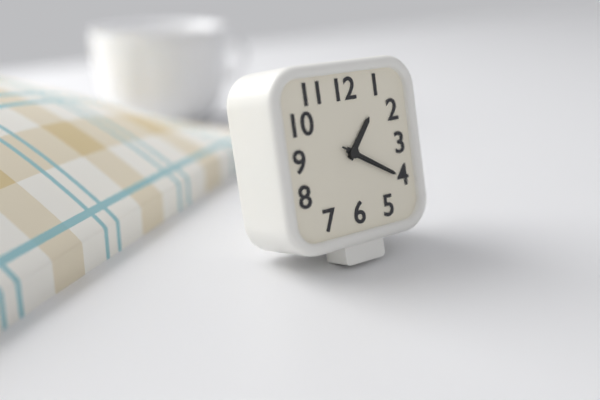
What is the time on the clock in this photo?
1:20:20
